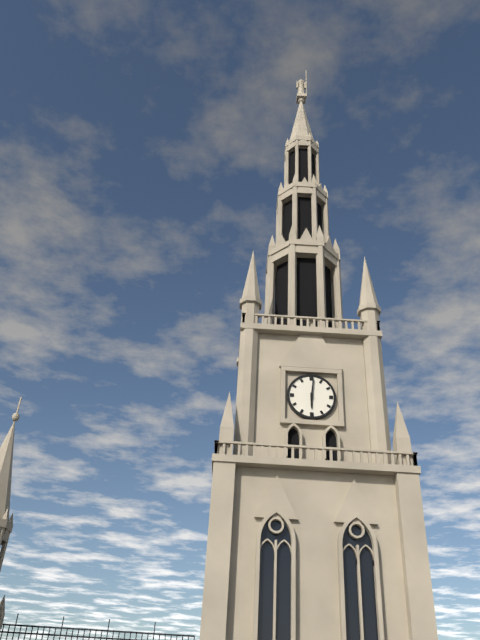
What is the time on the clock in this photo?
6:01
